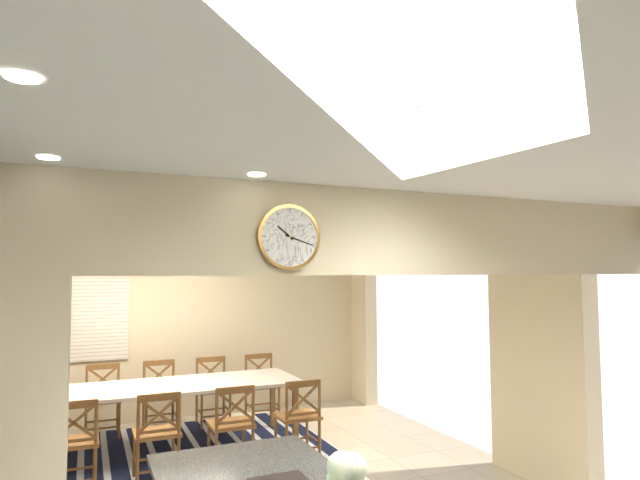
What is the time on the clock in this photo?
10:18
